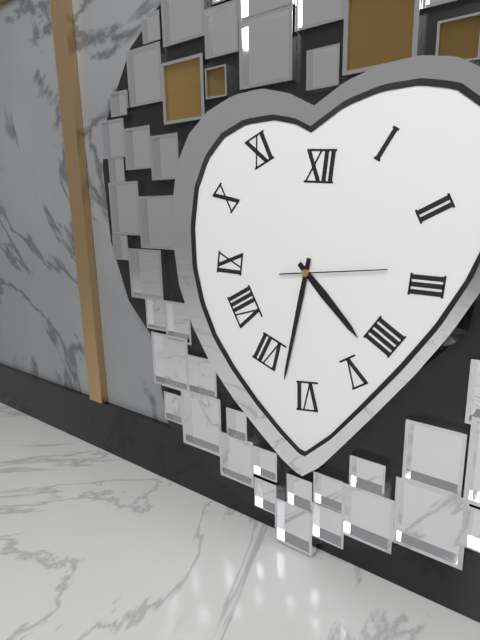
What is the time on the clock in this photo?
4:32:14
